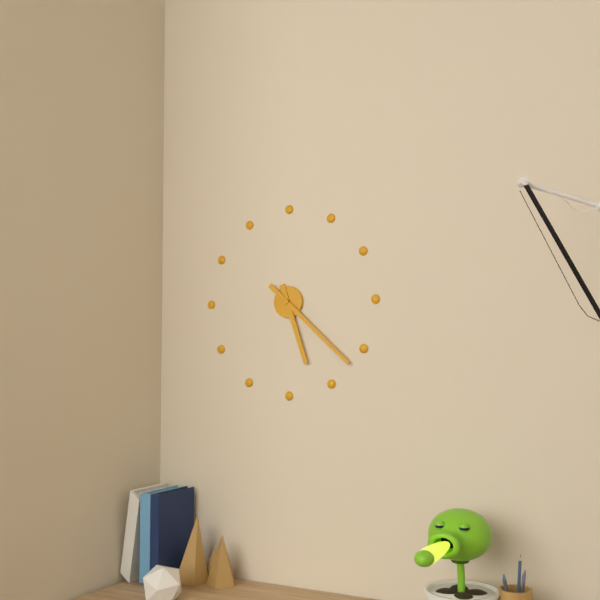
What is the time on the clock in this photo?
5:22
